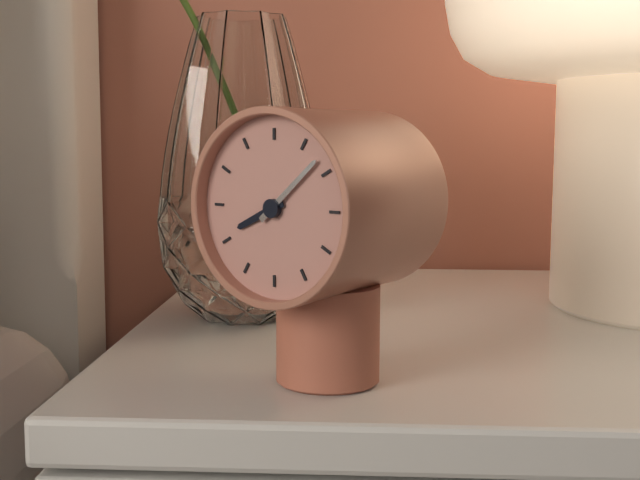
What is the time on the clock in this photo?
8:08
